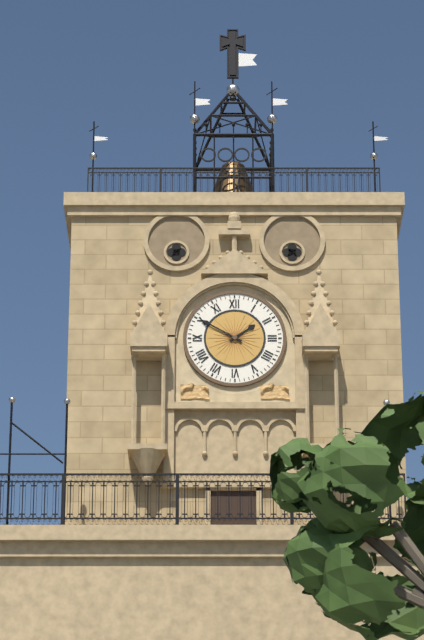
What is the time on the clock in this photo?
1:50
